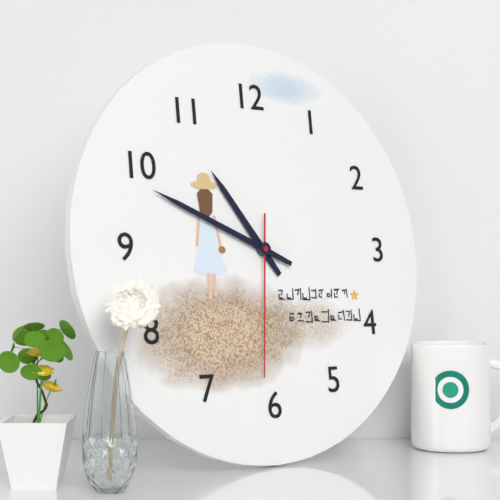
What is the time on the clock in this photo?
10:49:31
